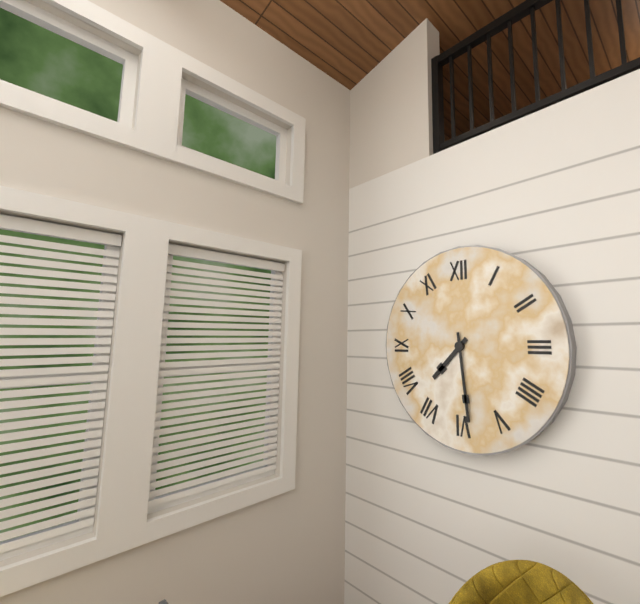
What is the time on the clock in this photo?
7:29
